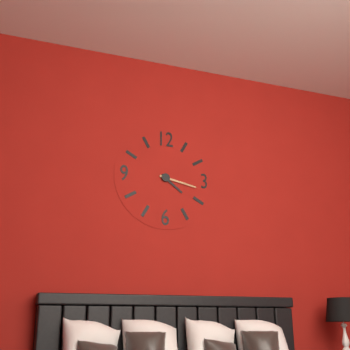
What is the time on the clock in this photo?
4:17
